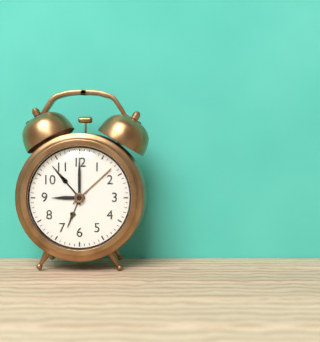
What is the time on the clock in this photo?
9:00
